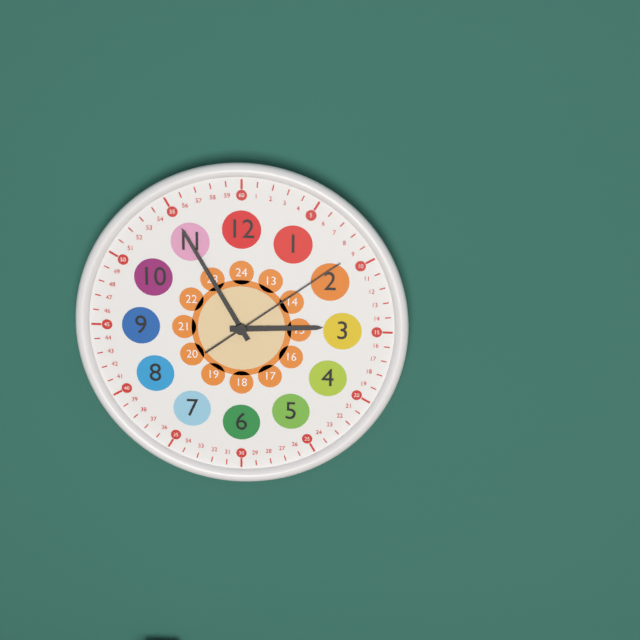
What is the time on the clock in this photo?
2:55:09
